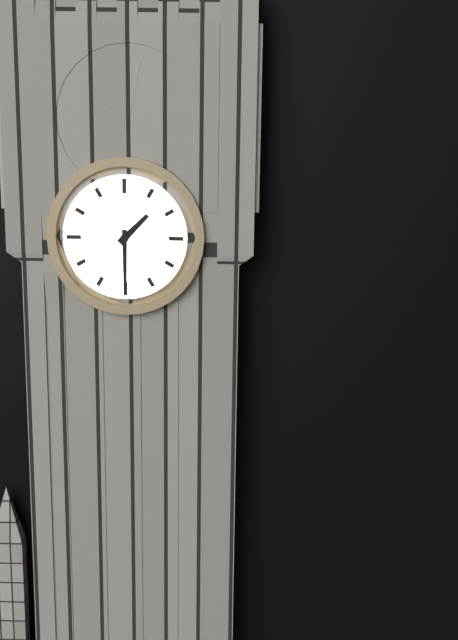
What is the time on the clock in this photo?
1:30
